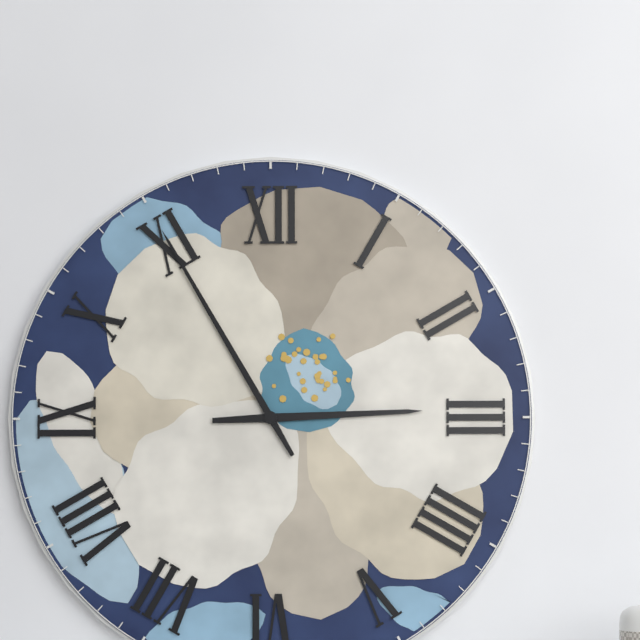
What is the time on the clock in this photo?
2:55
